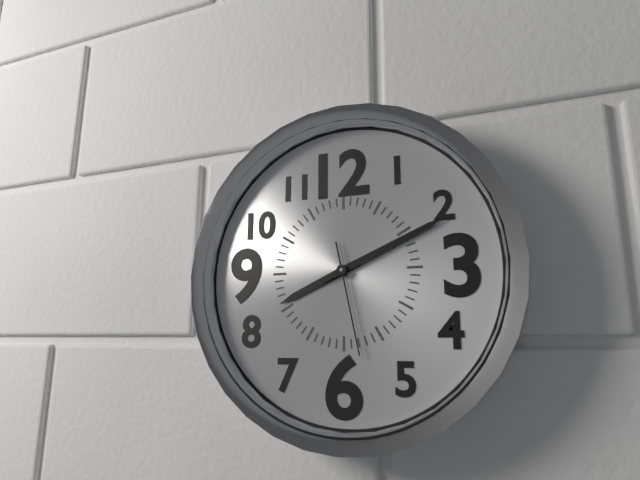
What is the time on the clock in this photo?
8:11:28
